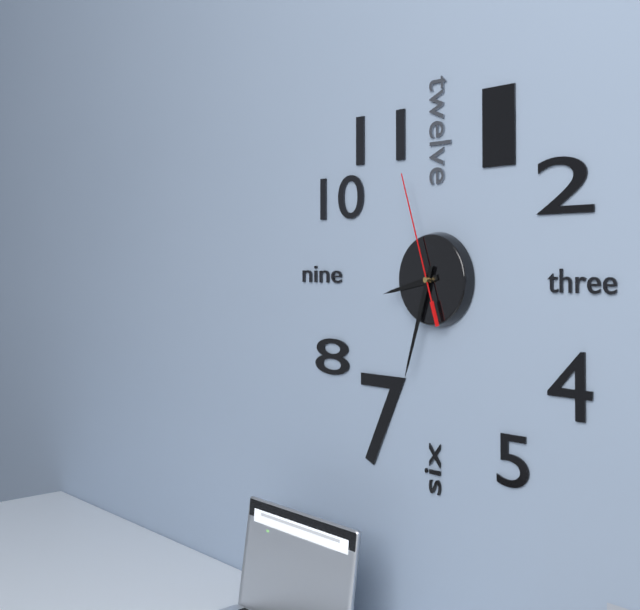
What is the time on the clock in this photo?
8:33:57
